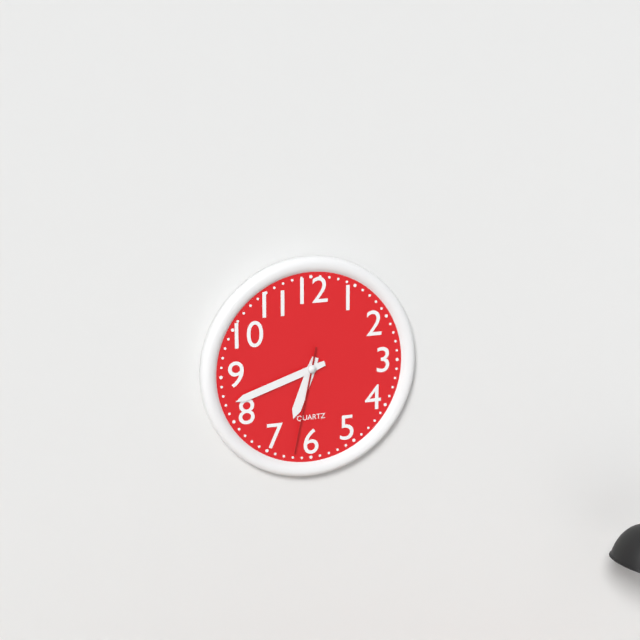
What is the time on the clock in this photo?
6:42:32
